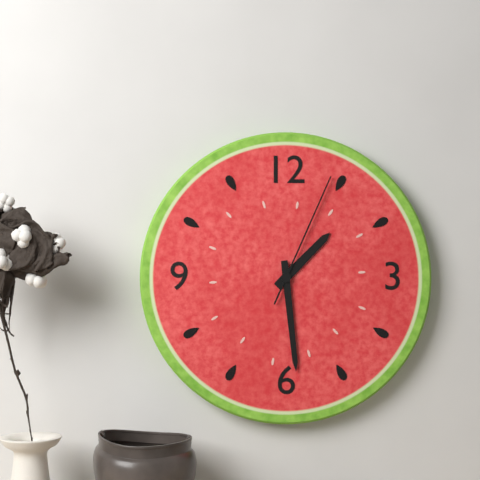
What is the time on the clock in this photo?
1:29:04
